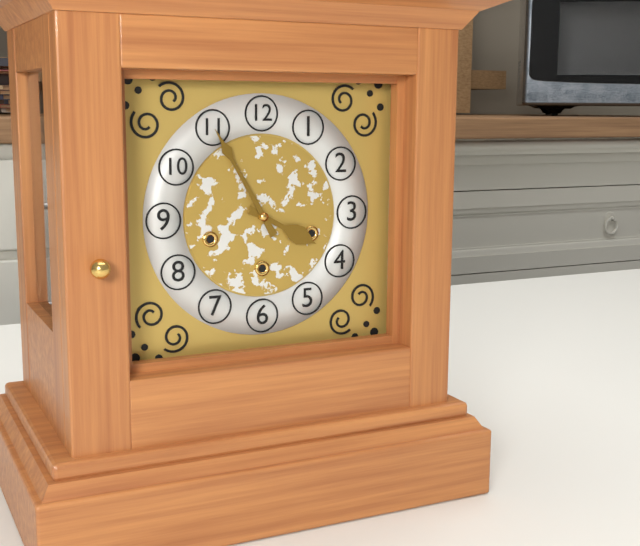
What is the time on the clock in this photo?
3:55
